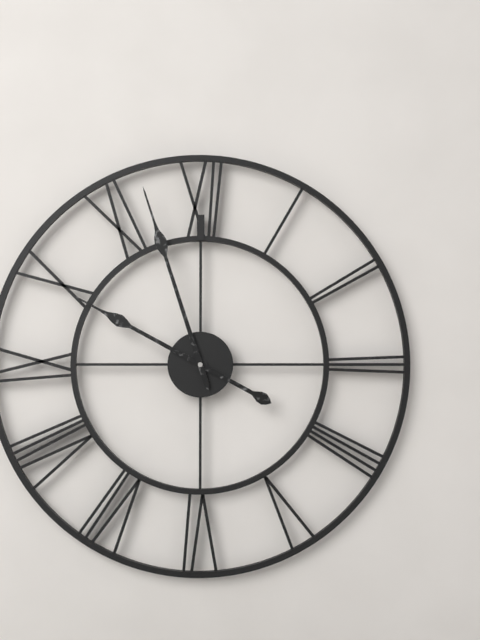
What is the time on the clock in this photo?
9:57
